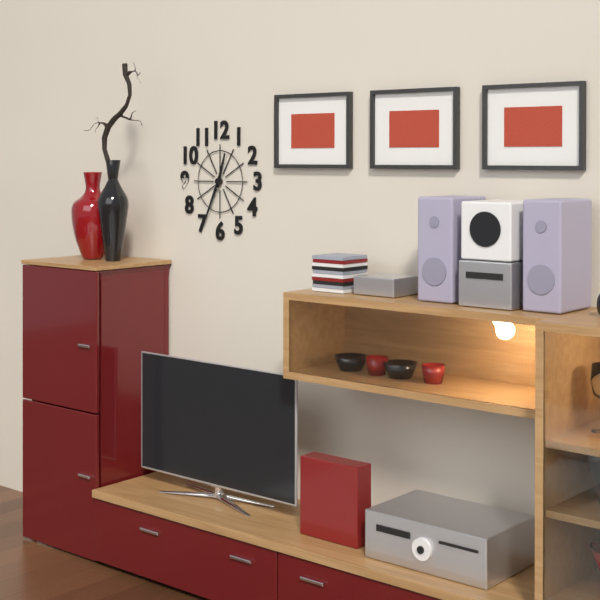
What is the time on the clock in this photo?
12:34
